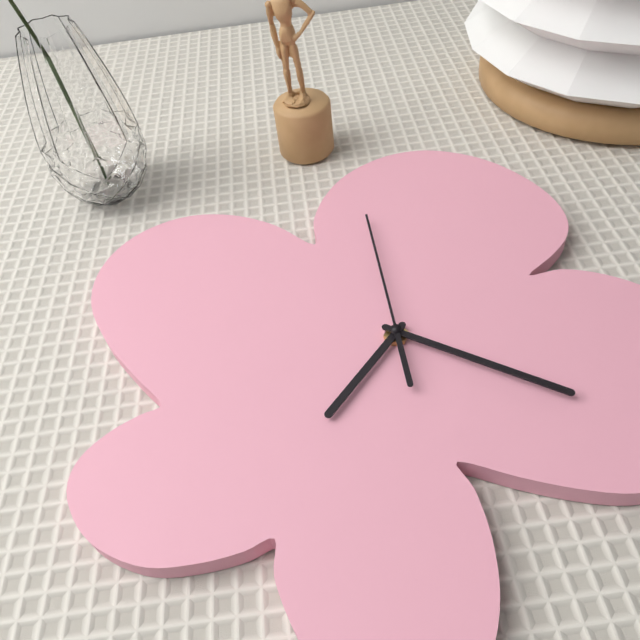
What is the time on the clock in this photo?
8:26:05
